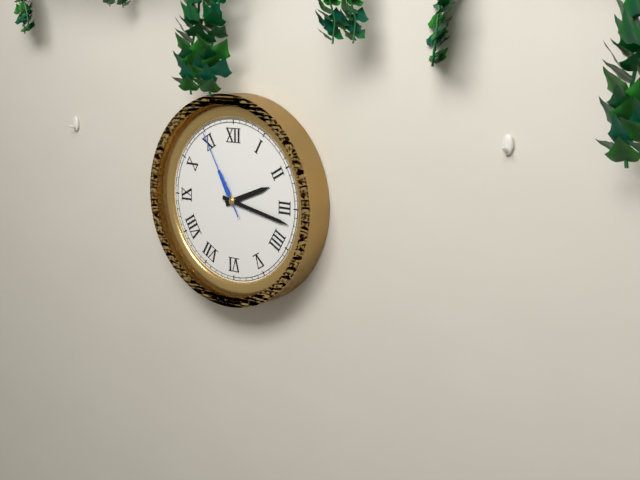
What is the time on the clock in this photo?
2:17:55
